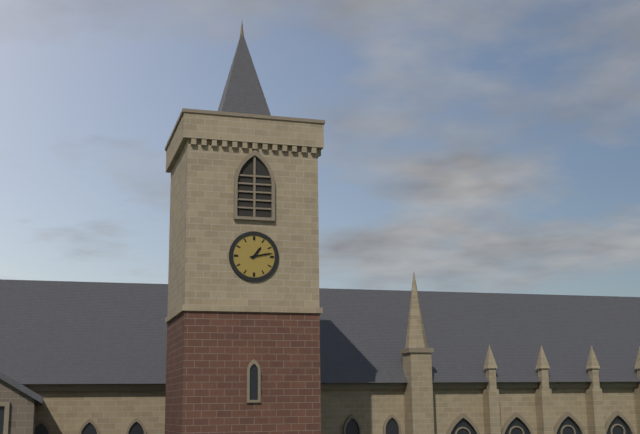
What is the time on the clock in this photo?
1:13
